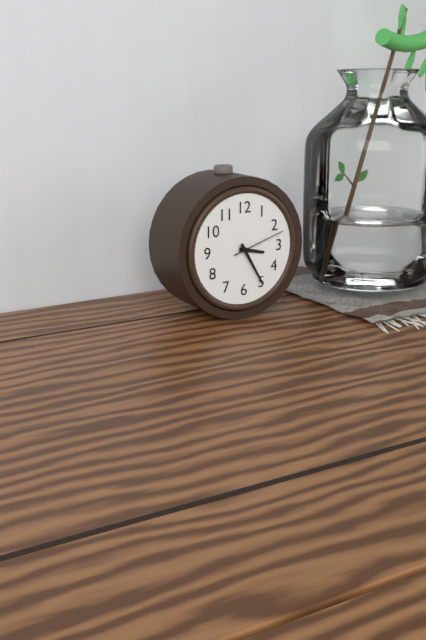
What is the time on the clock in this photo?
3:25:12
